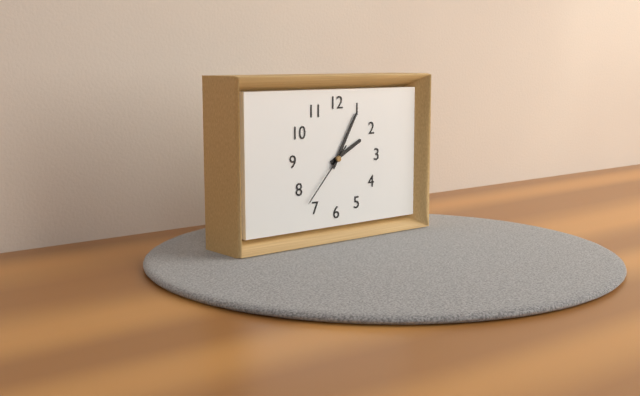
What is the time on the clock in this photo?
2:05:37
